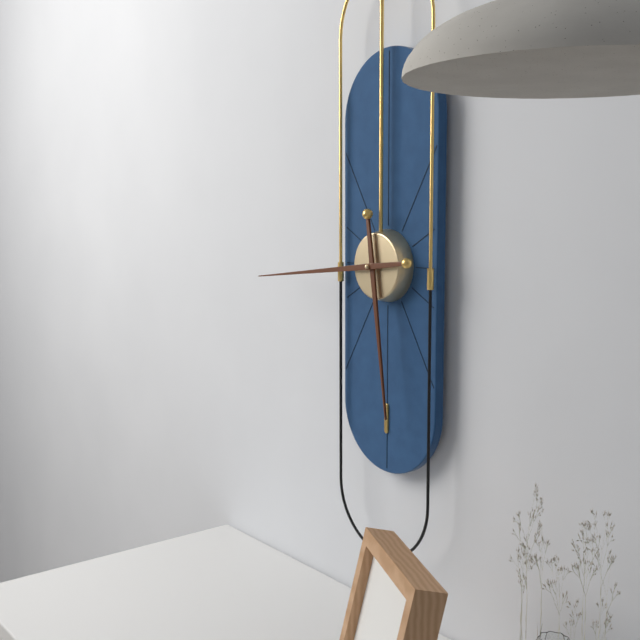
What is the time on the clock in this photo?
5:44
